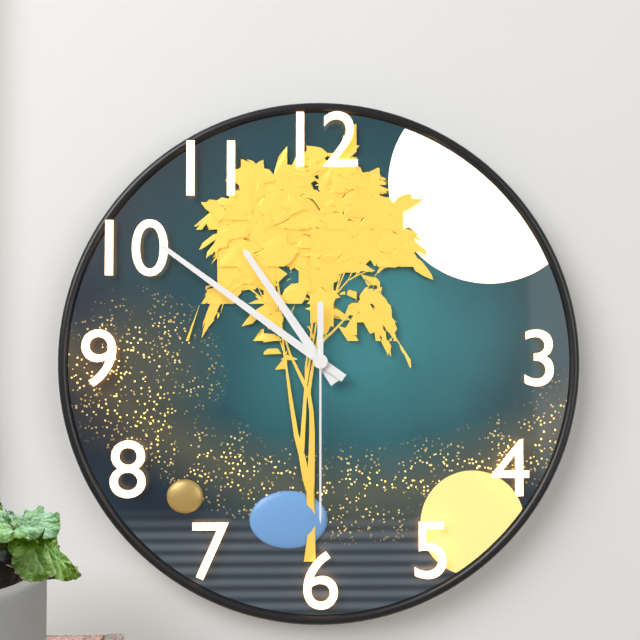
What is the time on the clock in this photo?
10:51:30
